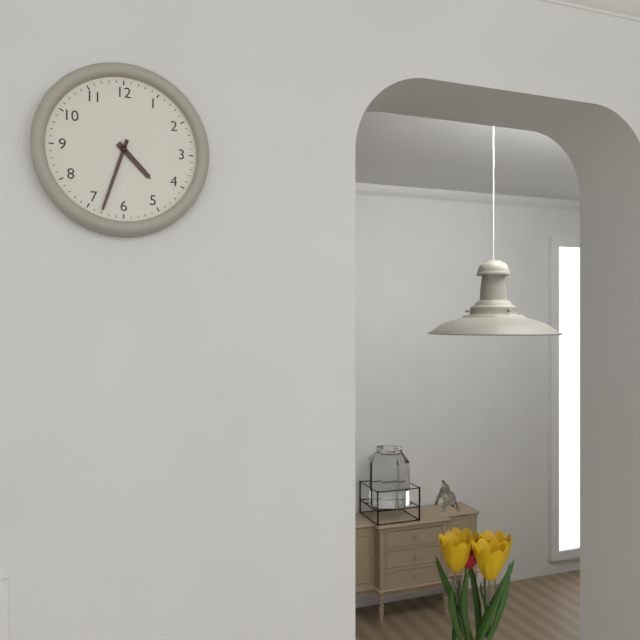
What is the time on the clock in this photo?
4:33
